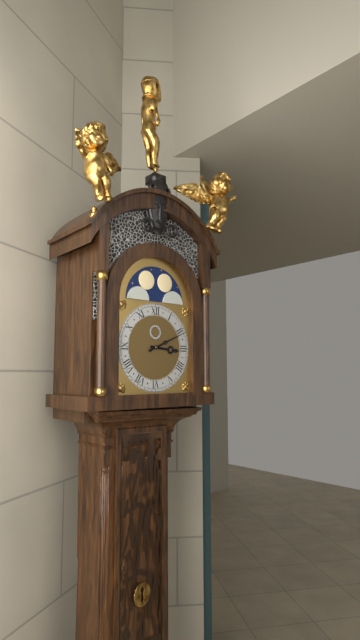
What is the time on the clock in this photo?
3:11
